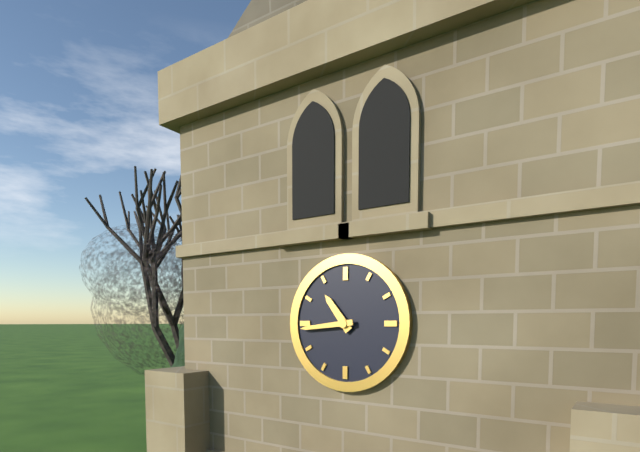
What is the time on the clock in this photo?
10:44
